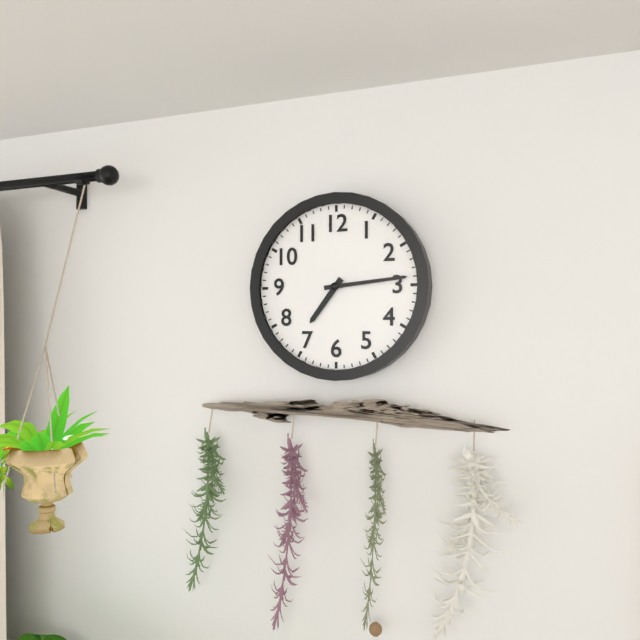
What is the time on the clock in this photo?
7:14
